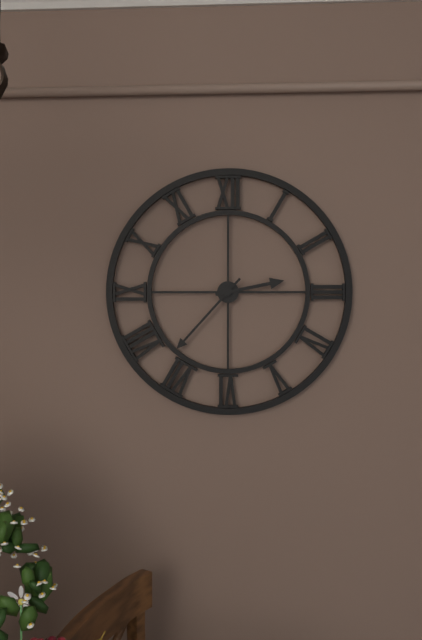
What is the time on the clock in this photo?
2:37
